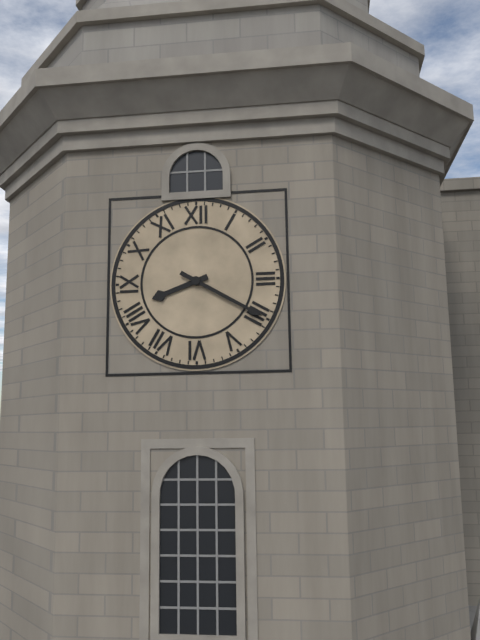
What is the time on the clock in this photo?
8:20
